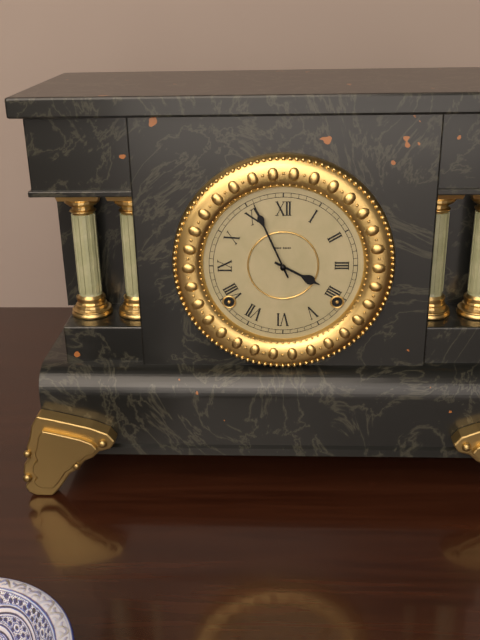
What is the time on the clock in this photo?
3:56
